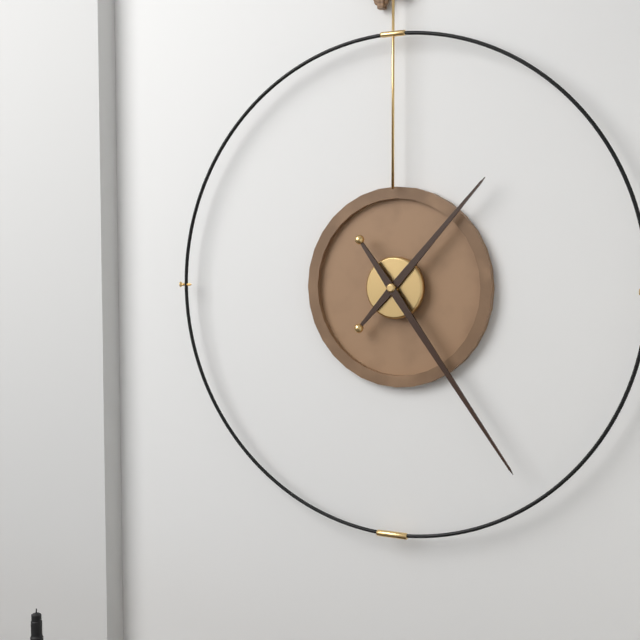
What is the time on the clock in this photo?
1:24
